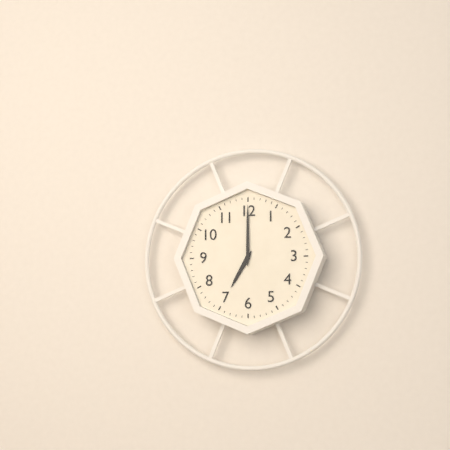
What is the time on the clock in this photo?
7:00
